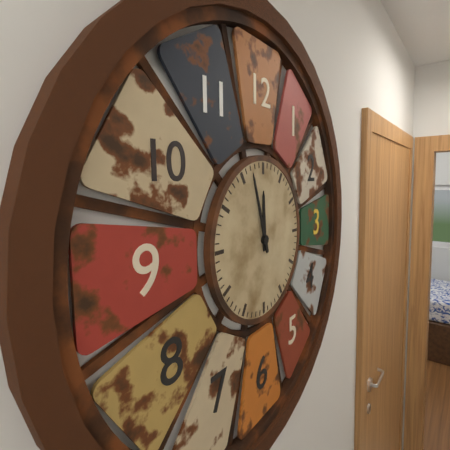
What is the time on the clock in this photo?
11:57
